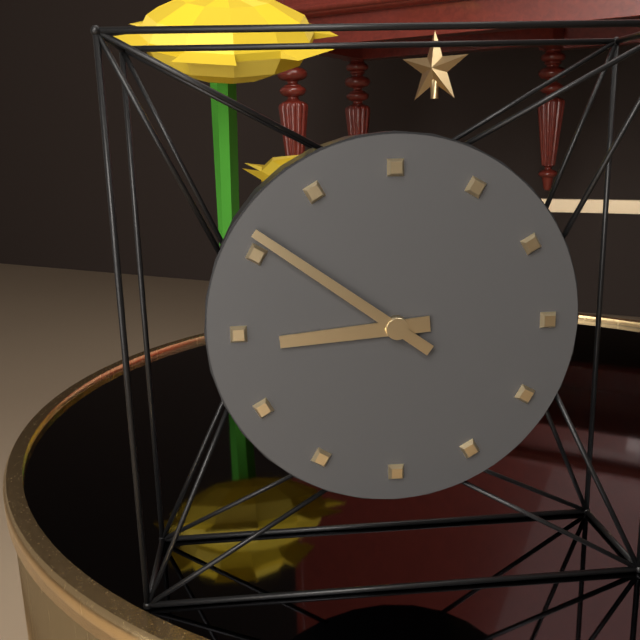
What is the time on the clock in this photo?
8:51
